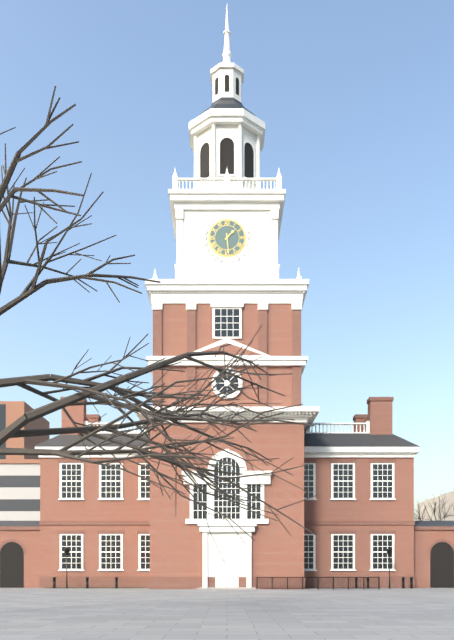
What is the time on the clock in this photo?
1:29
